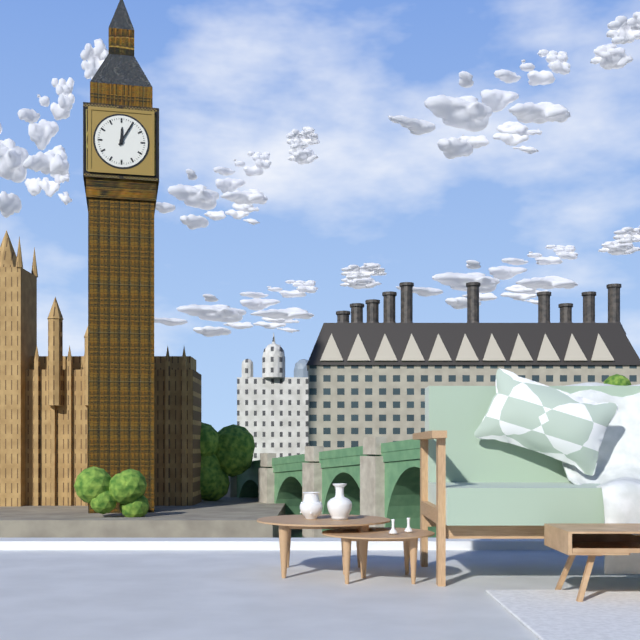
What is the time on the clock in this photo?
12:05
